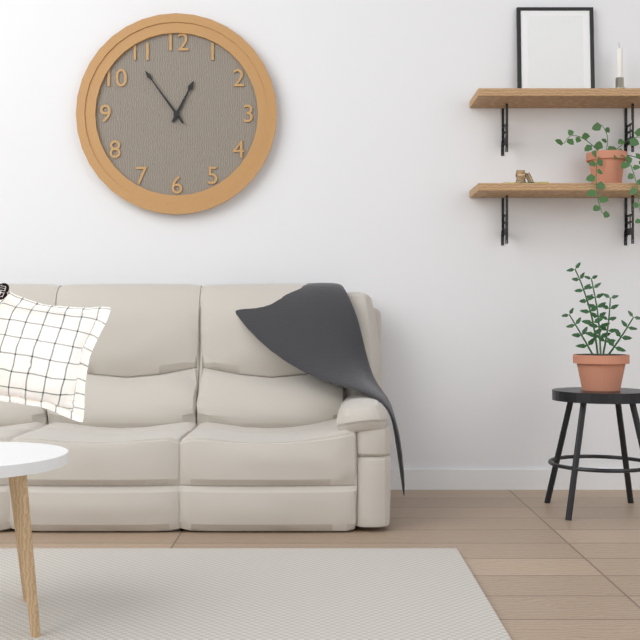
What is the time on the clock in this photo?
12:54
